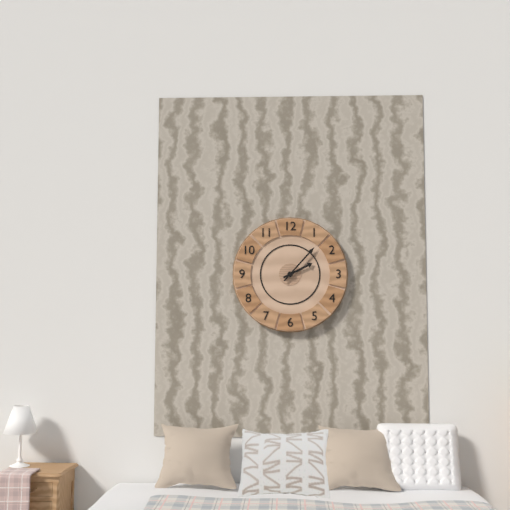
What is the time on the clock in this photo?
2:07
